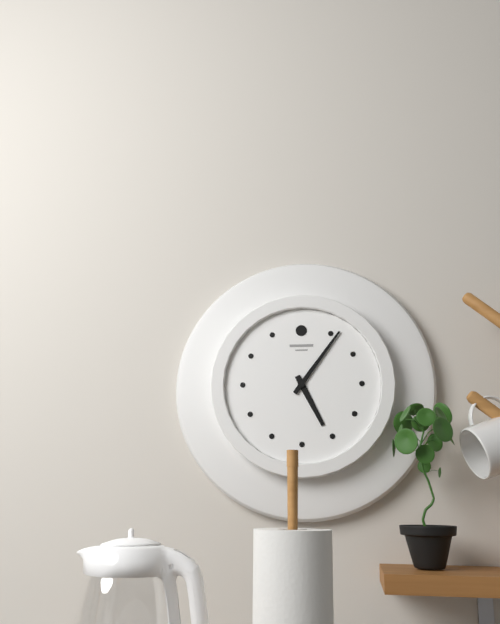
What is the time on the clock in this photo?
5:06
